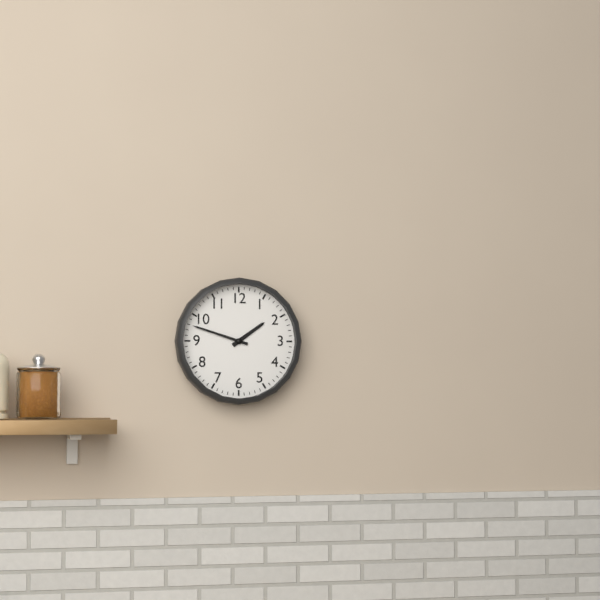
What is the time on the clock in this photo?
1:48
